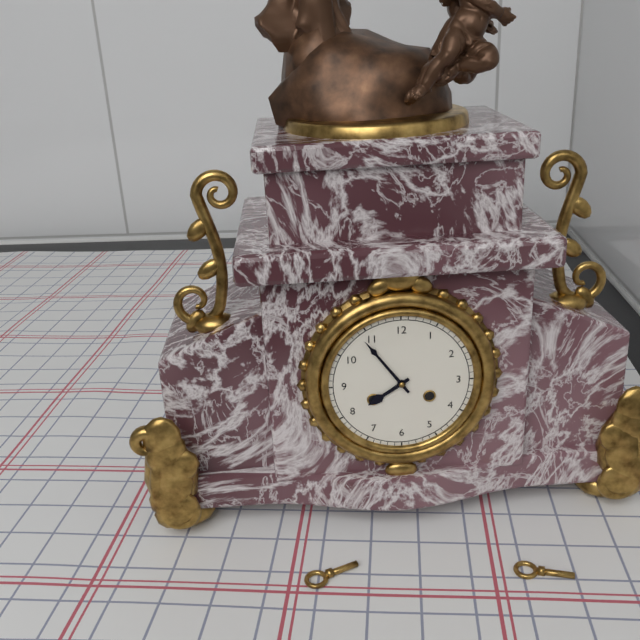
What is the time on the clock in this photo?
7:54
